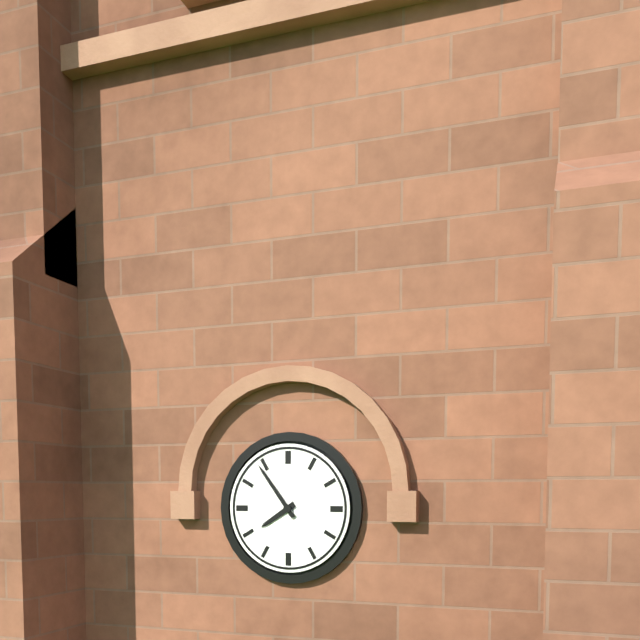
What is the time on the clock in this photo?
7:54
